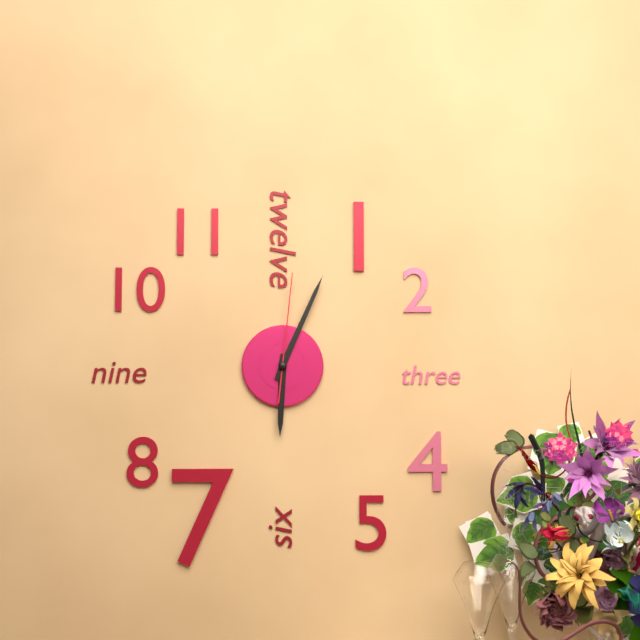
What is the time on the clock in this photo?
6:04:01
